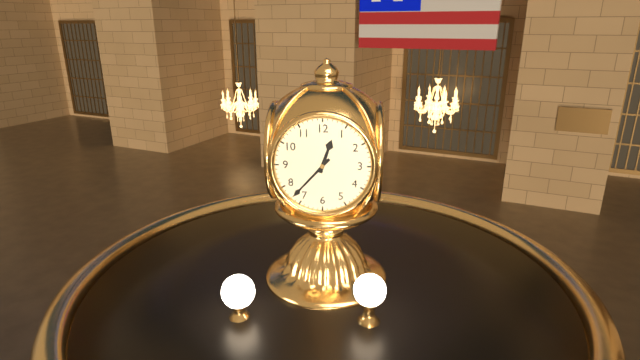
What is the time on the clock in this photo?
12:37
